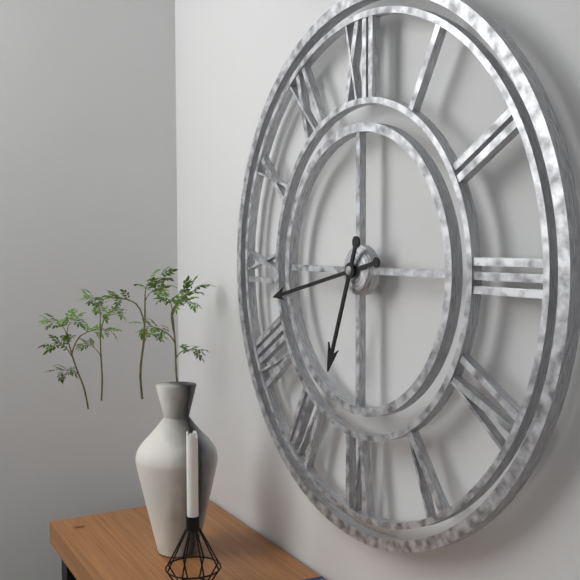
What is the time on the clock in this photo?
6:43
